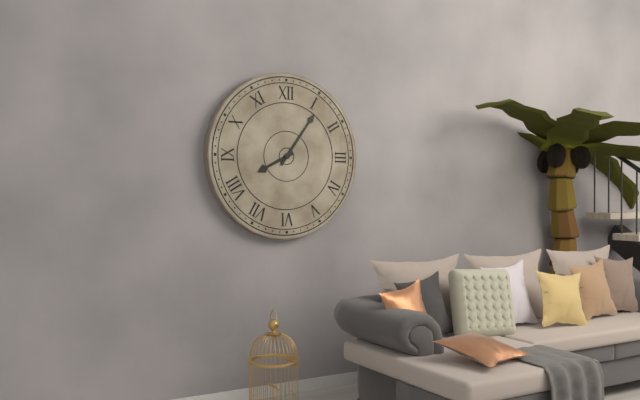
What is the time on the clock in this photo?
8:06
